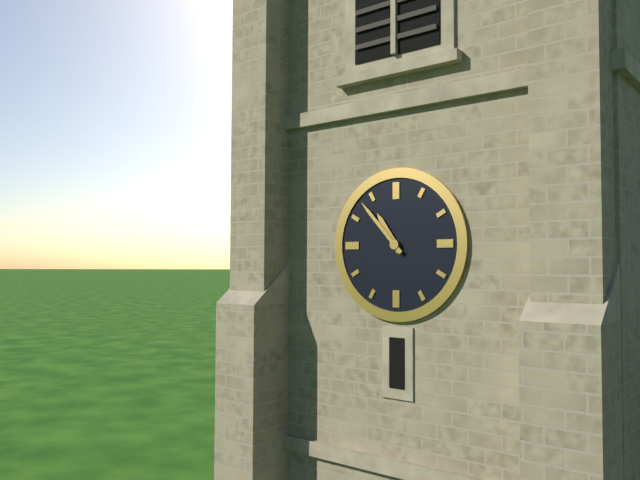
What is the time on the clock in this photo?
10:53
